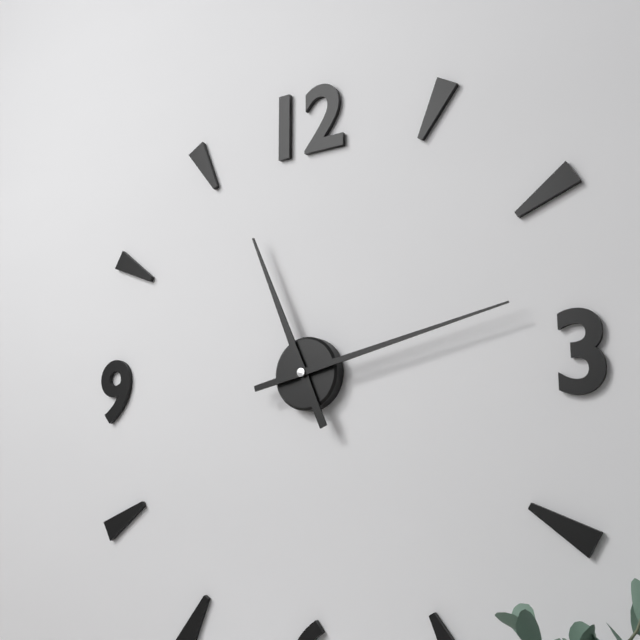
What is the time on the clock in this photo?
11:13
